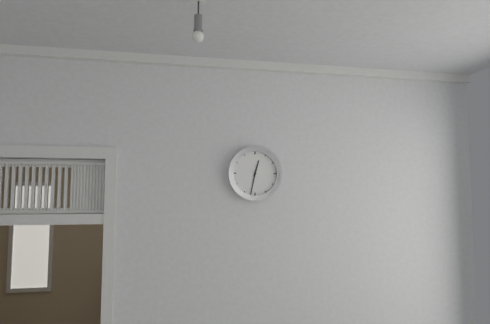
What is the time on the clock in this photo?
12:32
